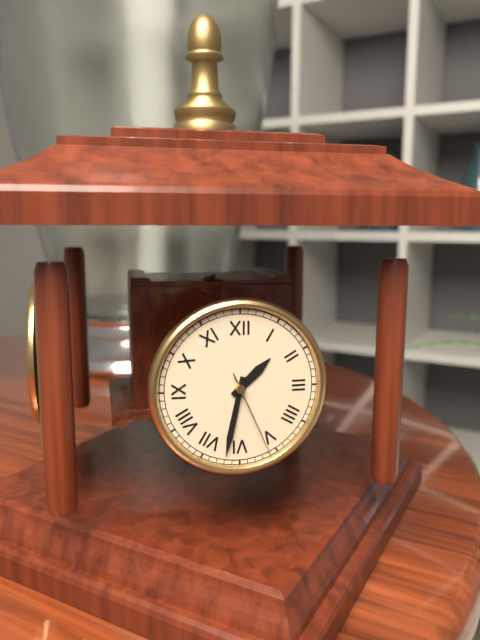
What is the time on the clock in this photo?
1:32:26
